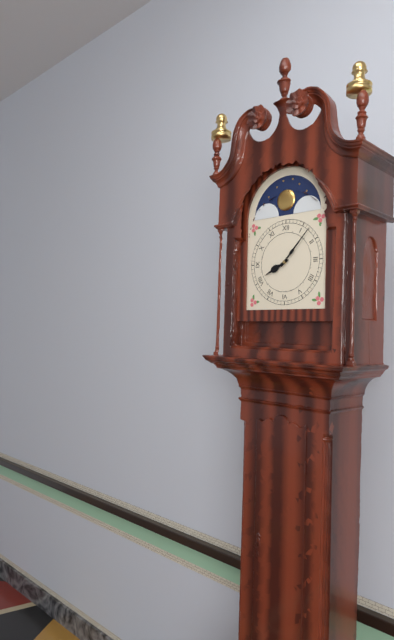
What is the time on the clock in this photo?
8:07
